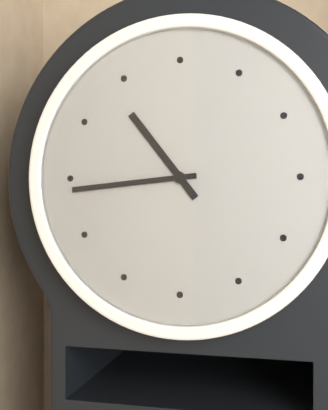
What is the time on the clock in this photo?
10:44
